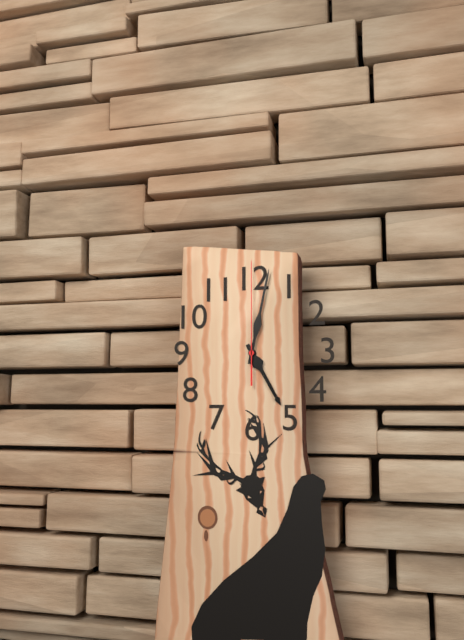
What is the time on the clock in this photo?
5:02:00
